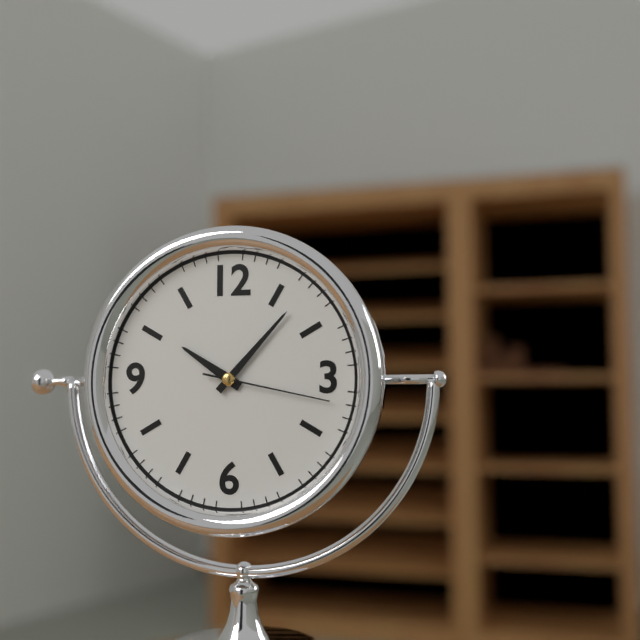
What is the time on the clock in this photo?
10:07:17
